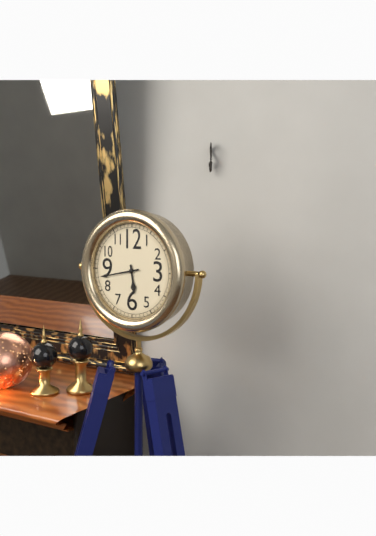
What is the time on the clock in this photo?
5:43
